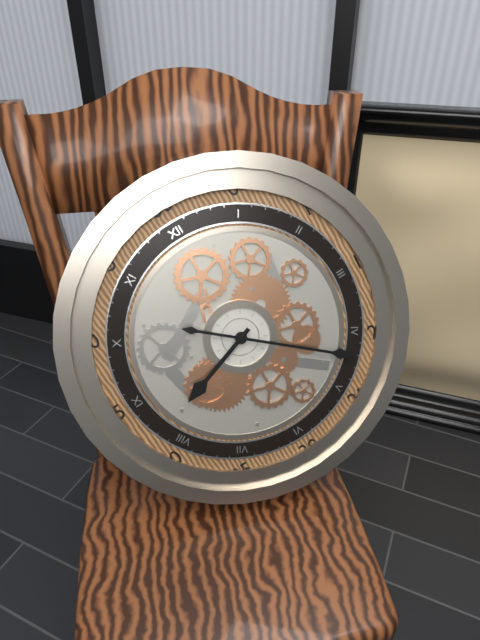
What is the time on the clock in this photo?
8:22
